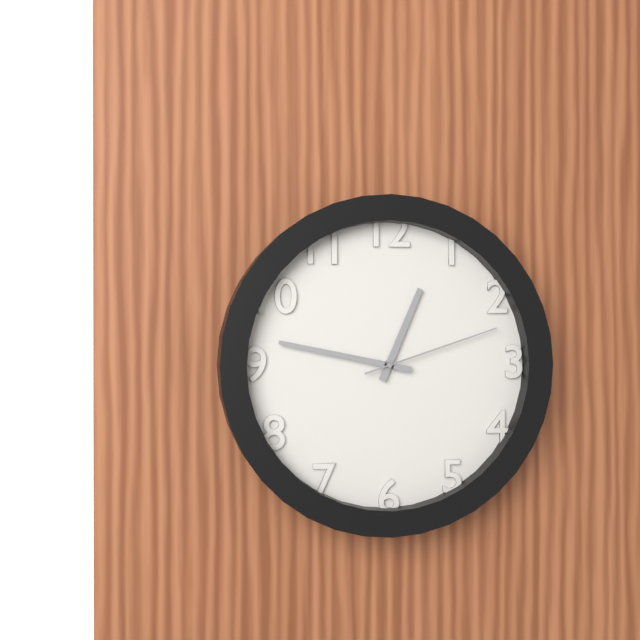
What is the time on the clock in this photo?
12:47:12
